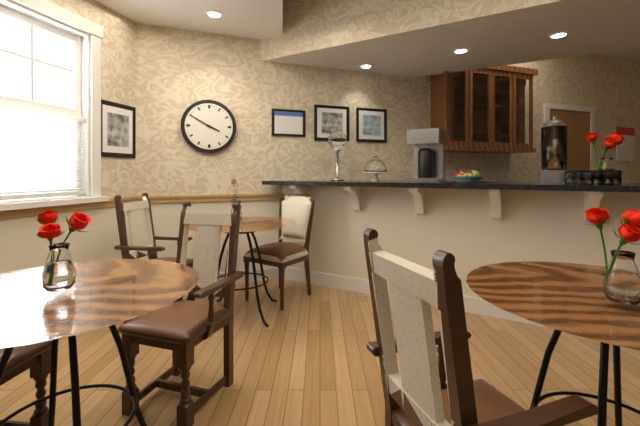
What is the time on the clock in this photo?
3:50
